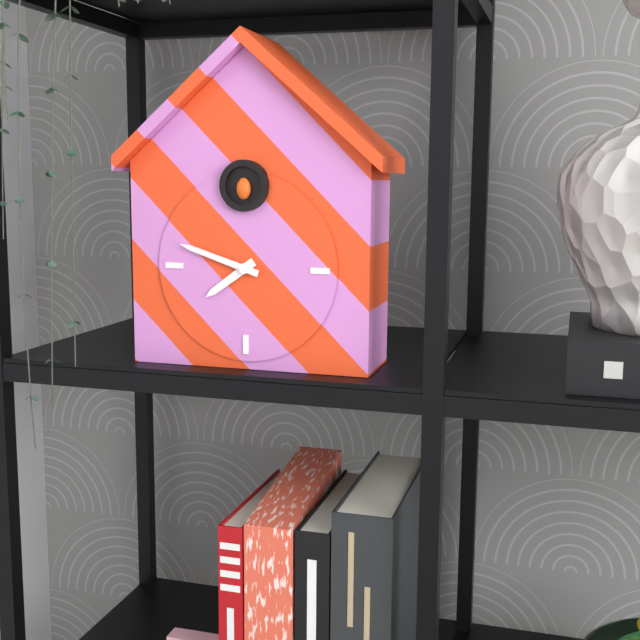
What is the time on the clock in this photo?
7:48
